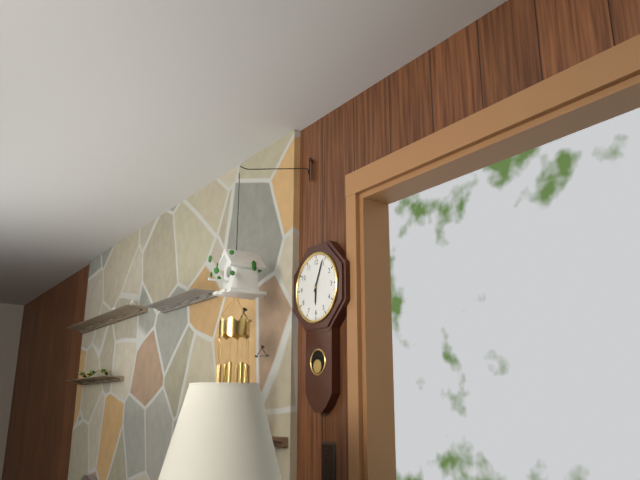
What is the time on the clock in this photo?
6:04
